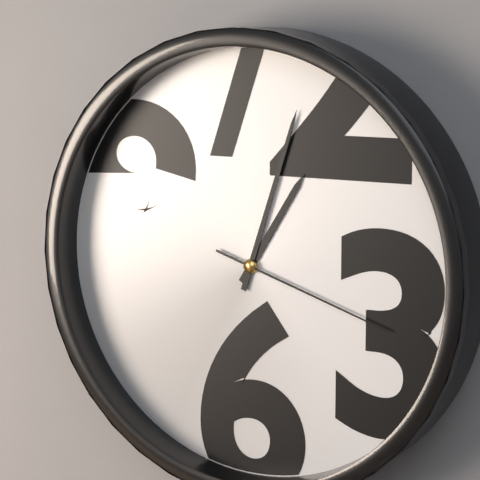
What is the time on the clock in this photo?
1:03:18
